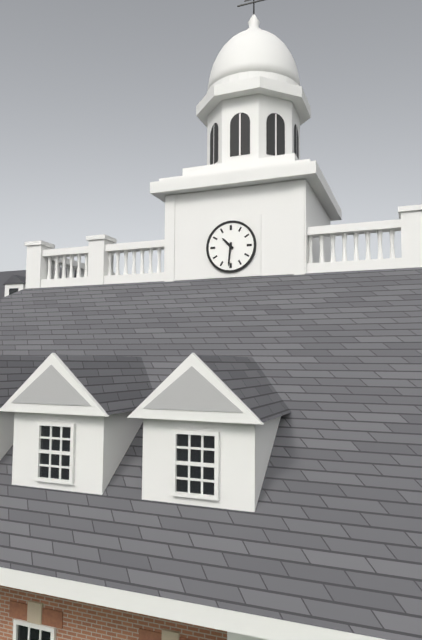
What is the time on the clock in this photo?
10:31
